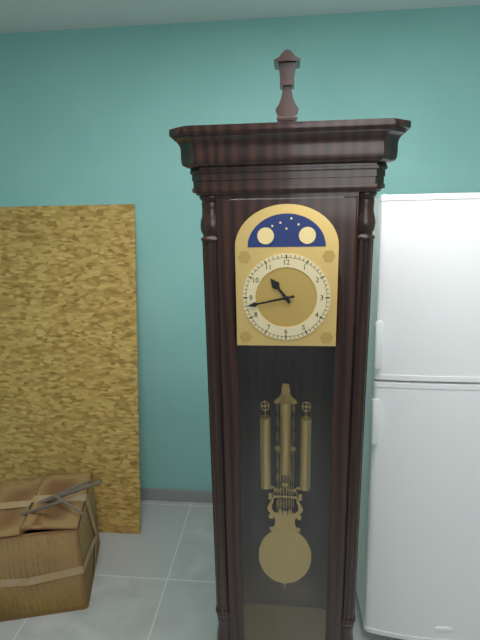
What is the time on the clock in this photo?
10:43
